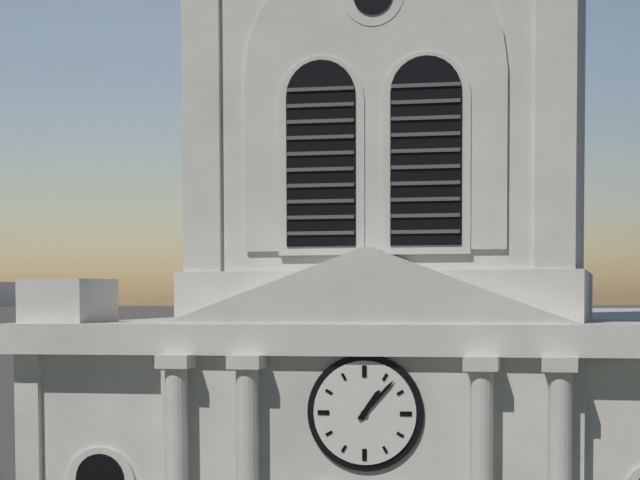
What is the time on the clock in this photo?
1:07
